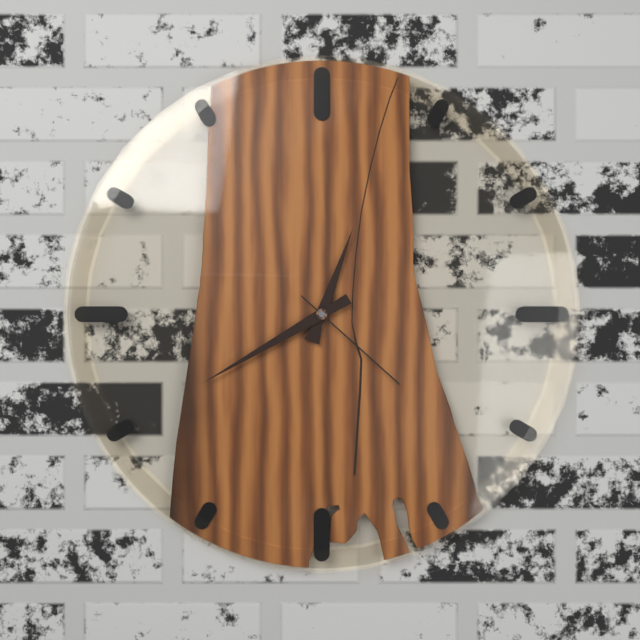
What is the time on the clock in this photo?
12:40:22
